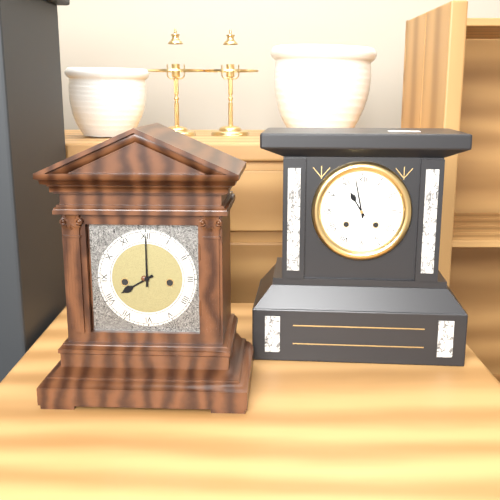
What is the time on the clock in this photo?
8:00
